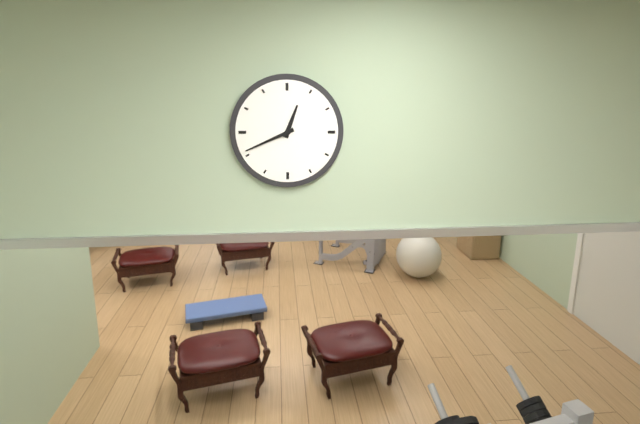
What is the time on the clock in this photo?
12:41
